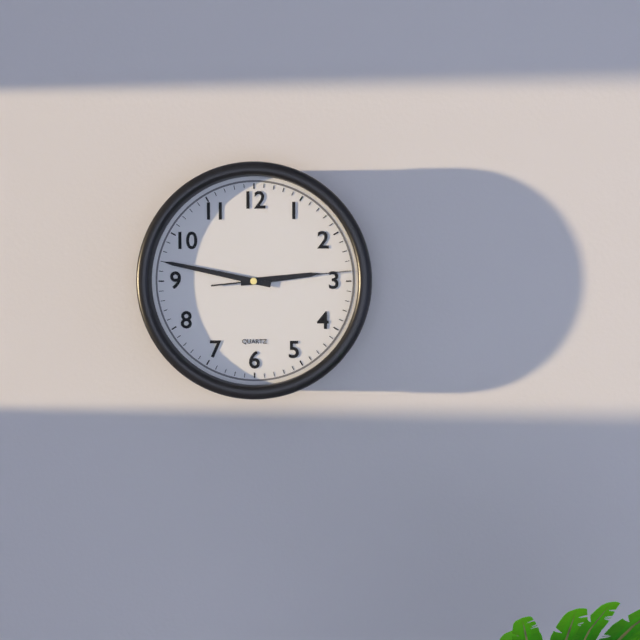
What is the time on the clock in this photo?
2:47:14
